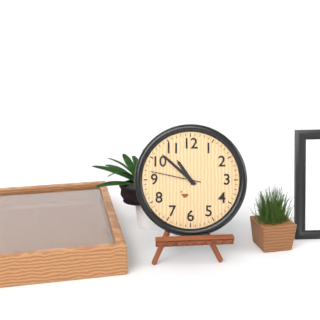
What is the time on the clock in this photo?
10:52:47
